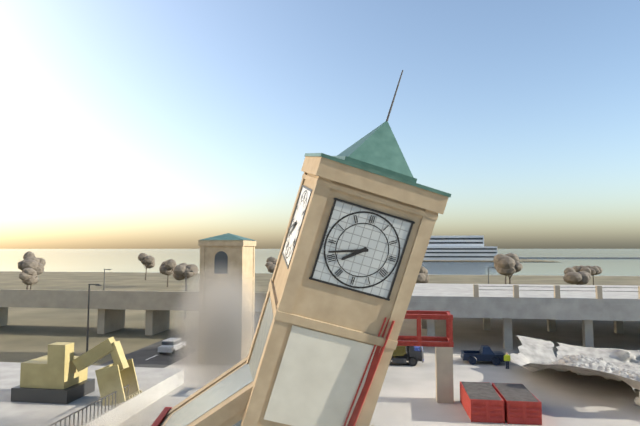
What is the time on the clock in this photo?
7:42
